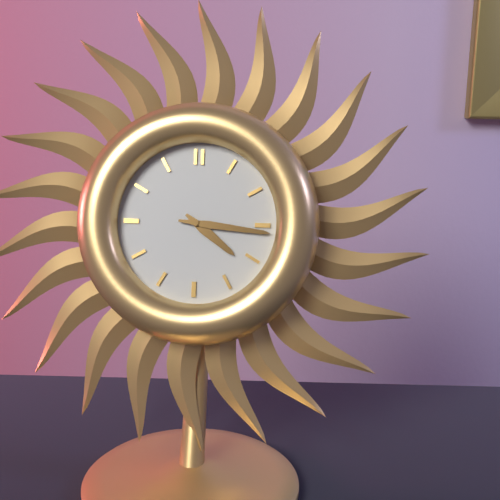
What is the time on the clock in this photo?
4:16
